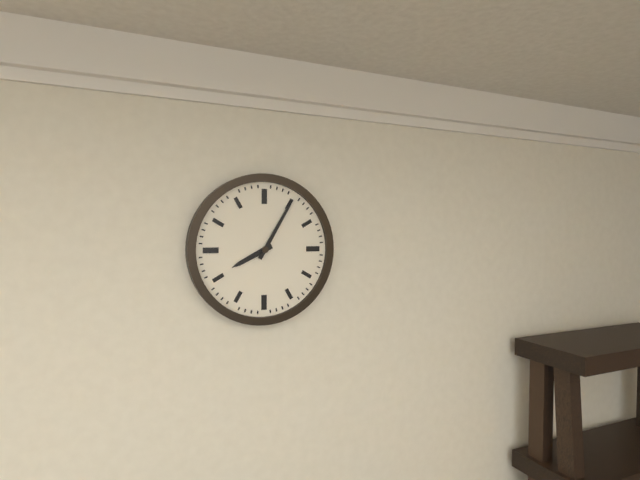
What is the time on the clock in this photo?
8:05
